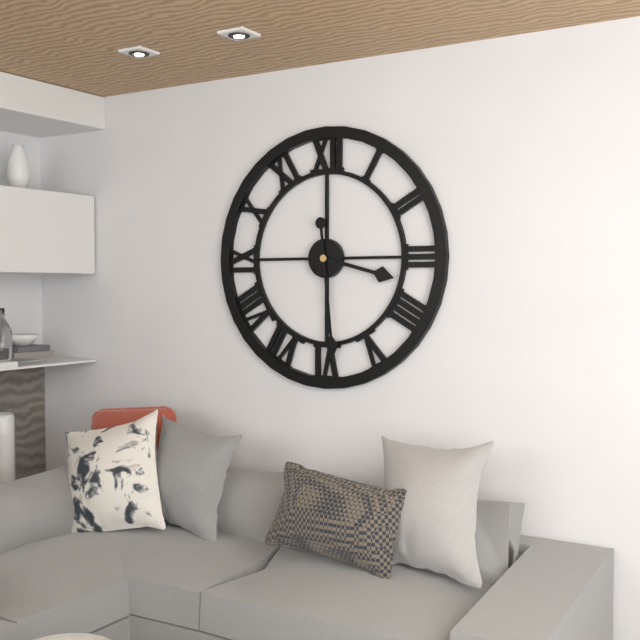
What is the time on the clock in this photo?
3:29
